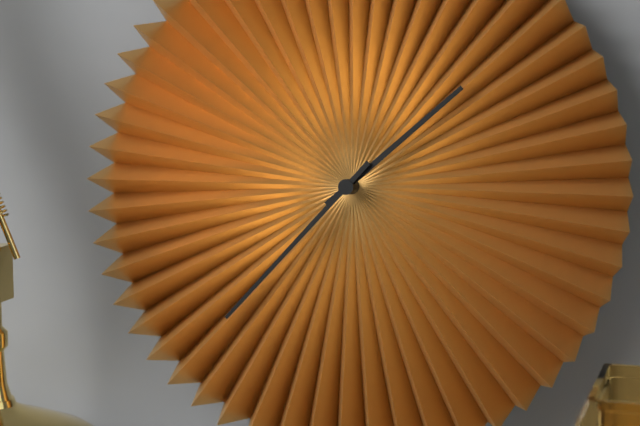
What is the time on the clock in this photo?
1:37
